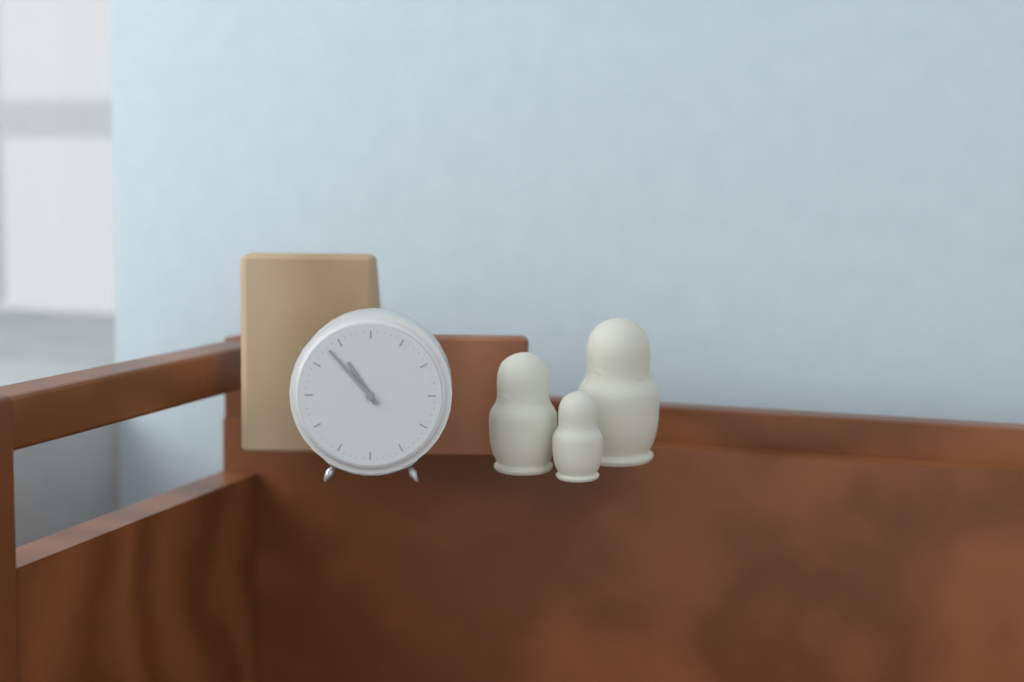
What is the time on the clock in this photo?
10:53
